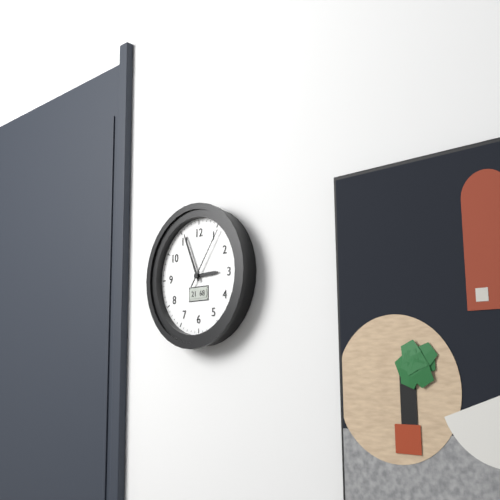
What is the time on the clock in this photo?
2:56:06
